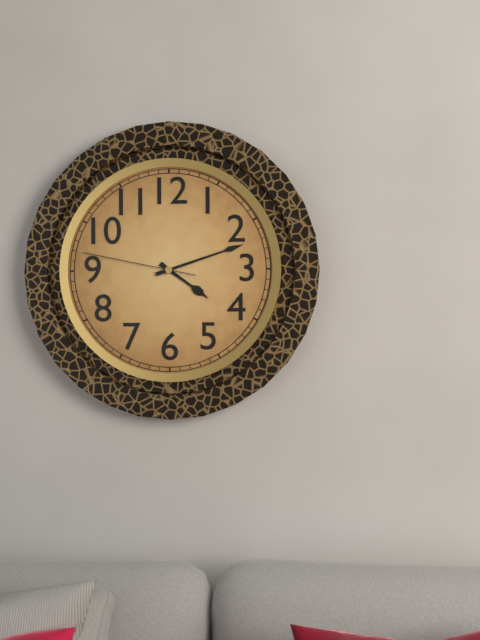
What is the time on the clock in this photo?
4:12:47
